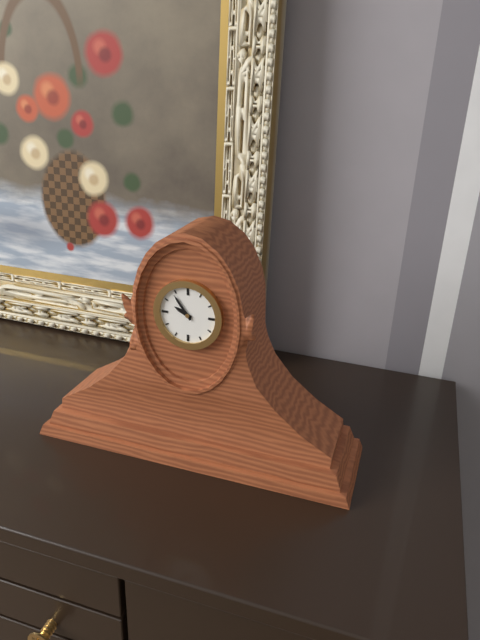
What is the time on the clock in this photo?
9:54
